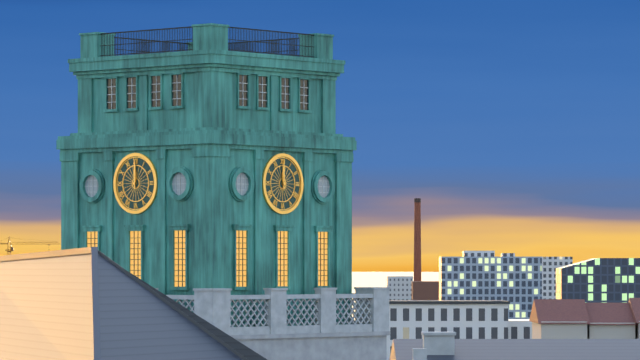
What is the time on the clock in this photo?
12:00
